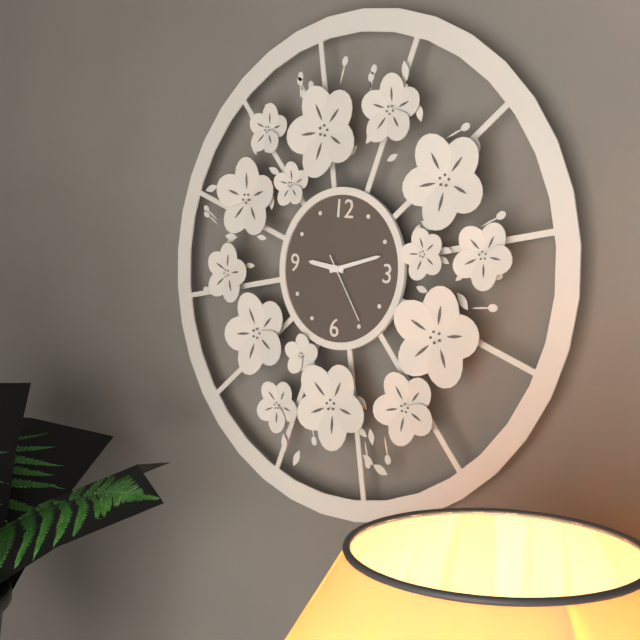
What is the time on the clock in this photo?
9:12:24
